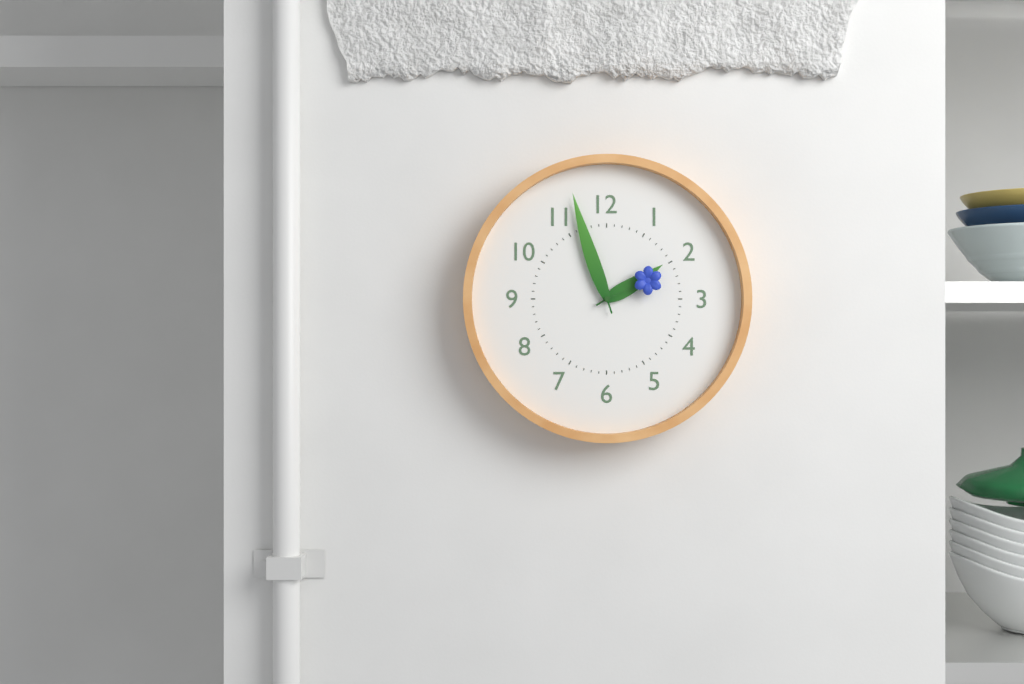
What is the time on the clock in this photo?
1:57:11
